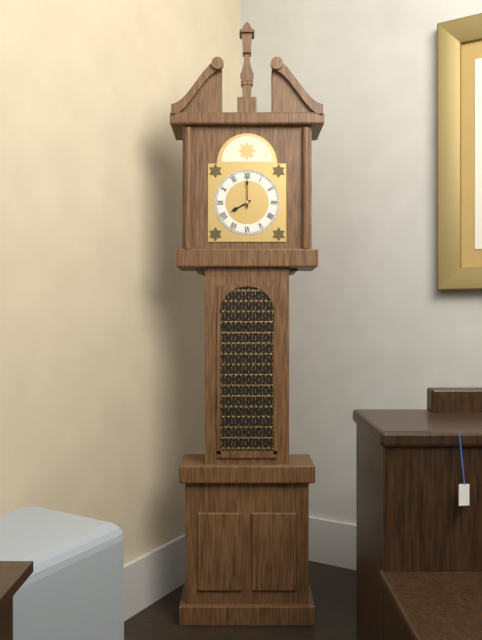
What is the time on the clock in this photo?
8:00
